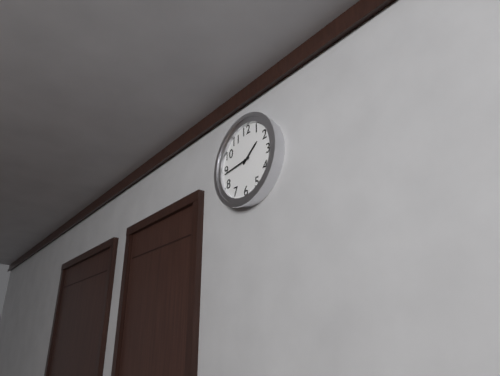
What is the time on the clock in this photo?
1:44
